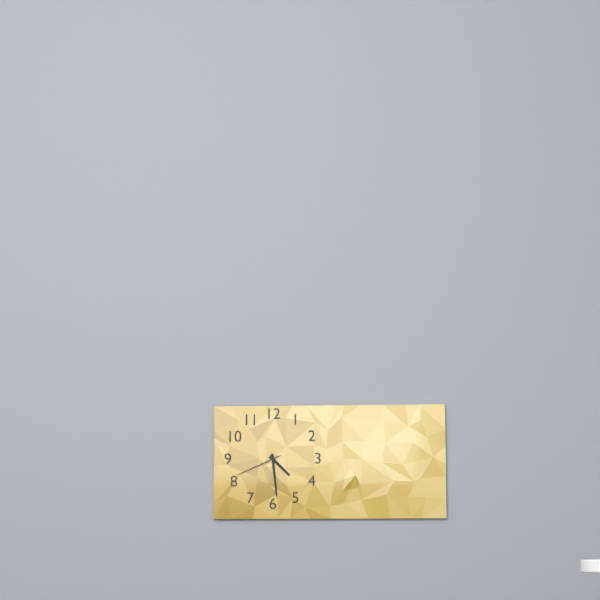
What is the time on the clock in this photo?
4:29
